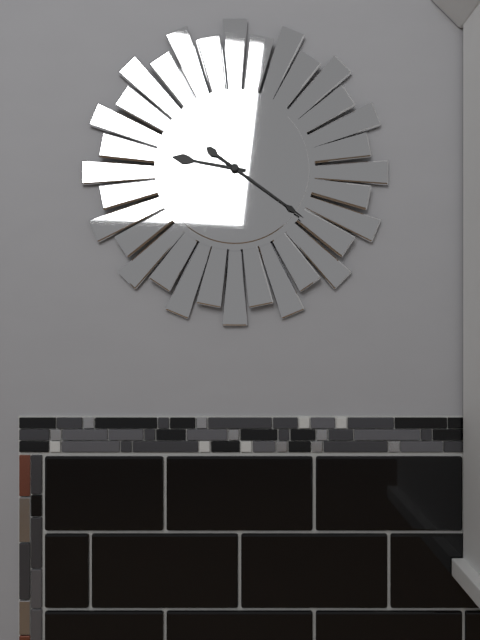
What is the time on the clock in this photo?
9:21
